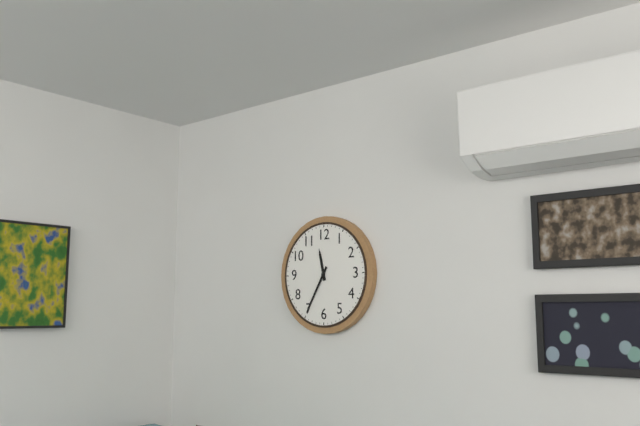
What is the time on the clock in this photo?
11:35
